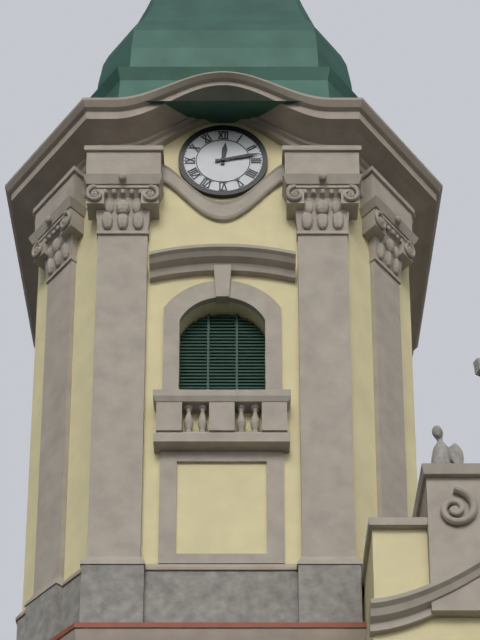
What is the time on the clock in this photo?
12:13
